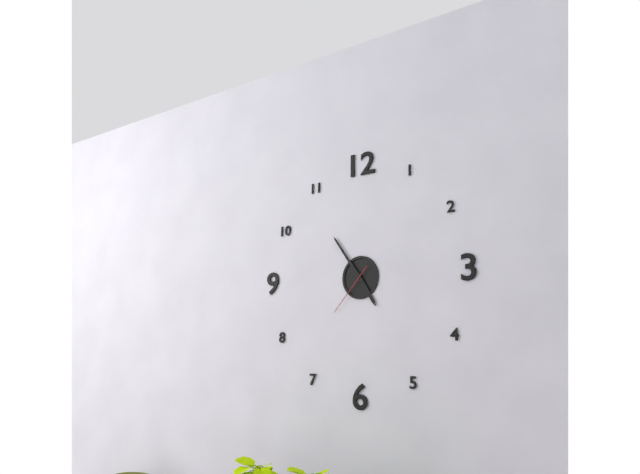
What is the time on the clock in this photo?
4:54:37
